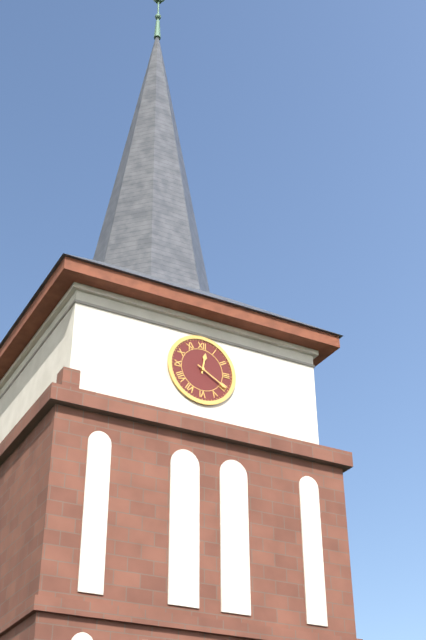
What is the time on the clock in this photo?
12:20
